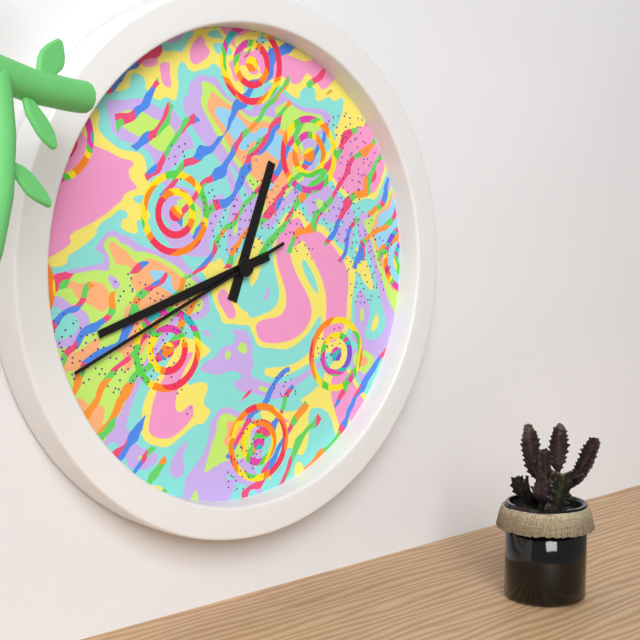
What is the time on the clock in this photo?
12:42:41
